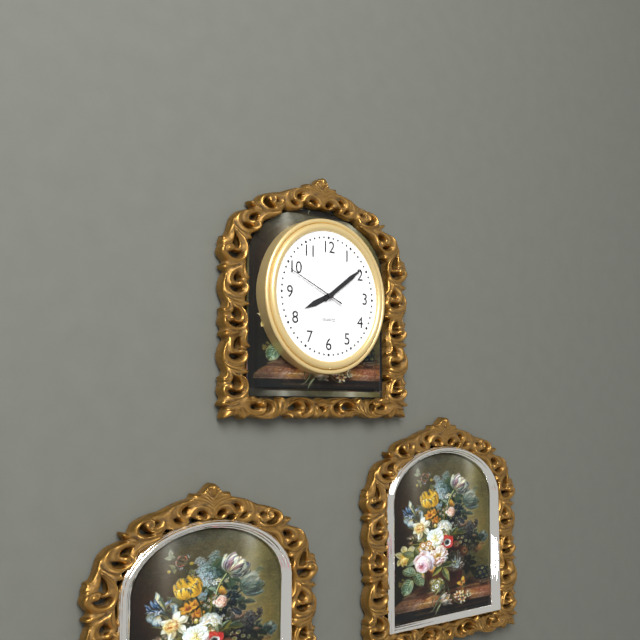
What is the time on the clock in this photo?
8:09:49
